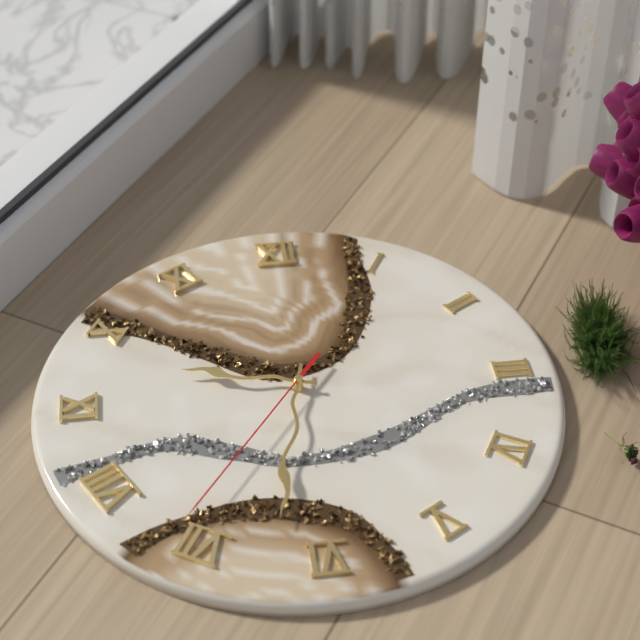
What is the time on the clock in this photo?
9:32:36
